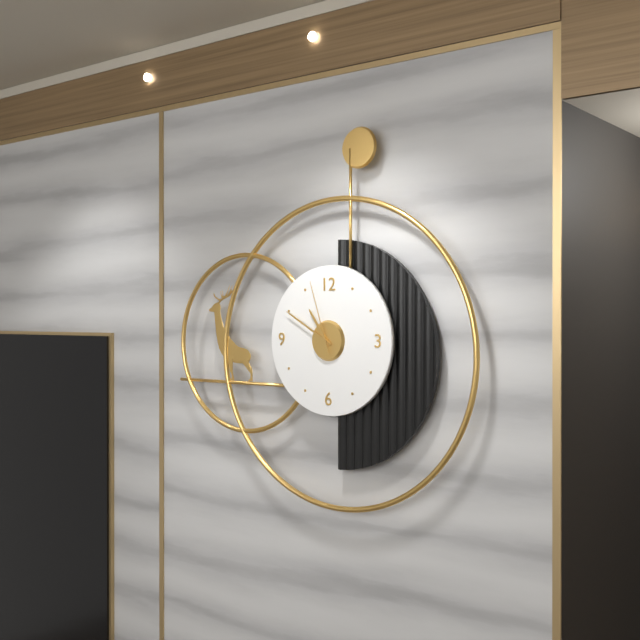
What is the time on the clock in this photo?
10:50:57
